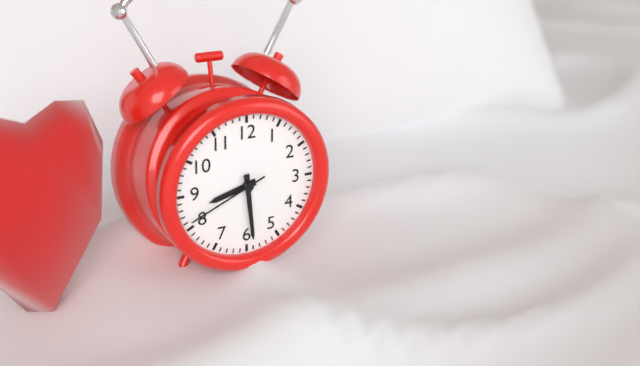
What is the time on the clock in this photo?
8:29:41
